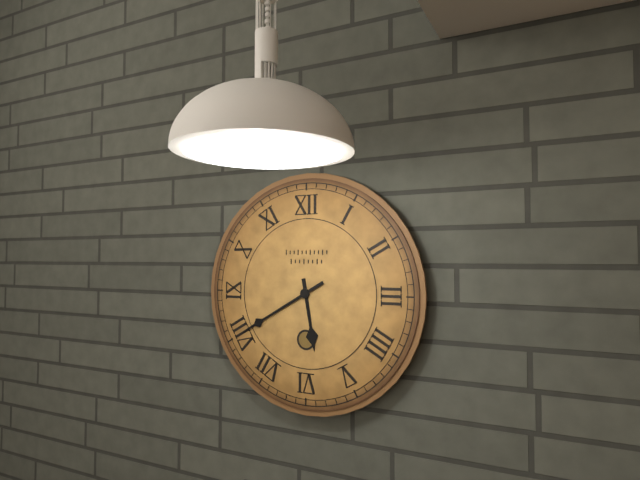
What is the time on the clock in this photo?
5:40
